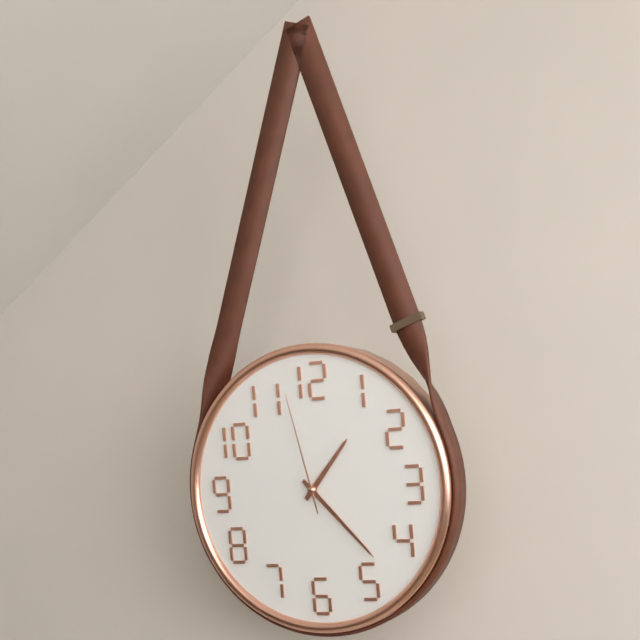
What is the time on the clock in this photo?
1:23:58
